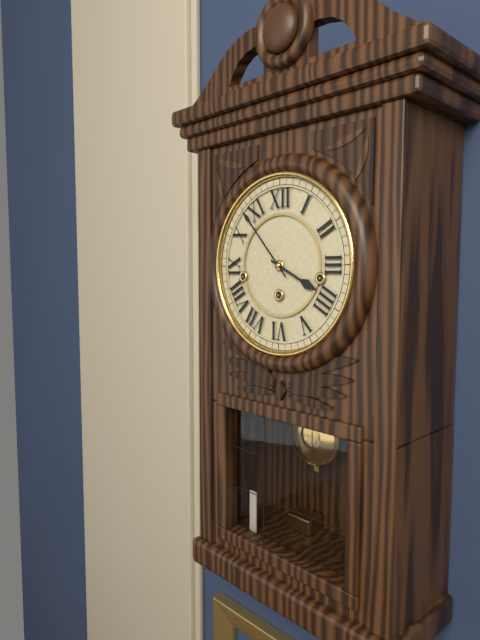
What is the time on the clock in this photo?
3:53
